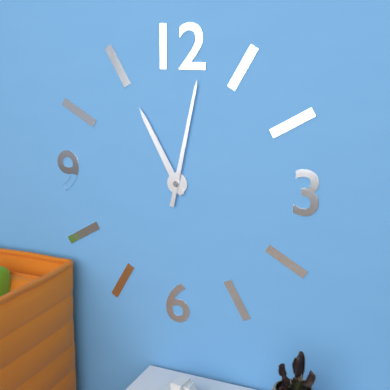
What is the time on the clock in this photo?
11:02
